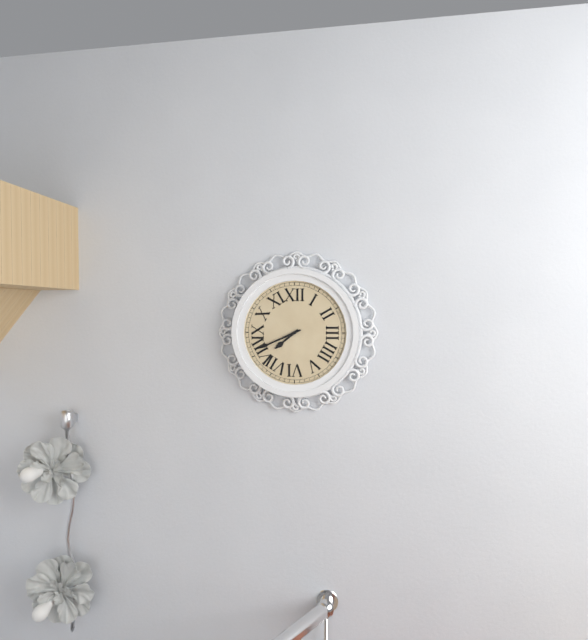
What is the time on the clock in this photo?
7:41
